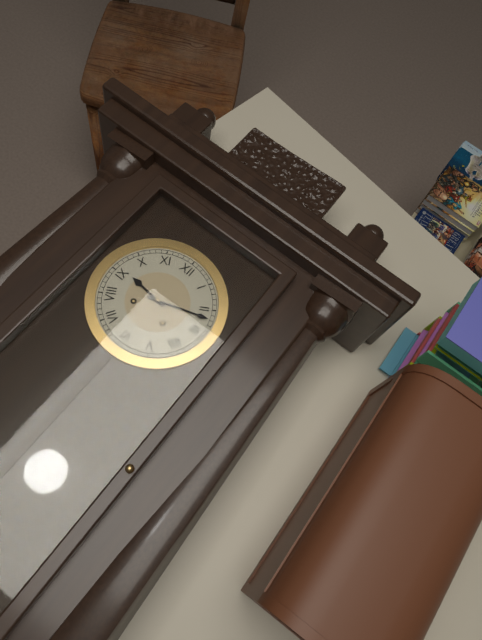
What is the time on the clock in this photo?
9:12
